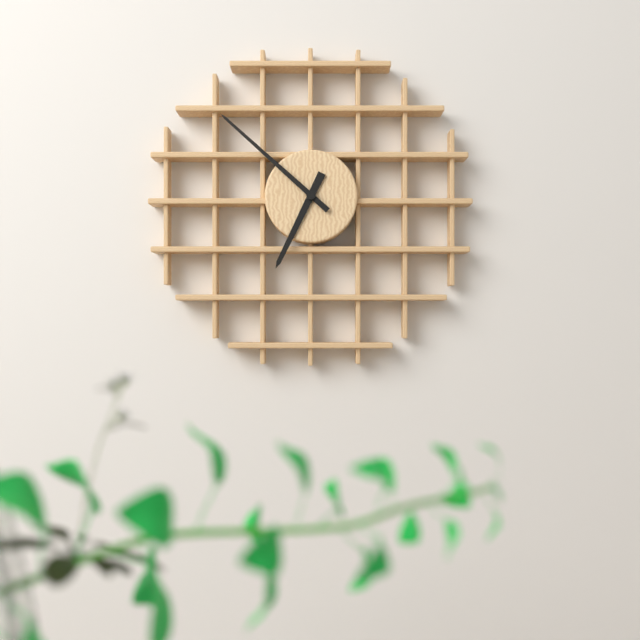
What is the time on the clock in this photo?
6:52
